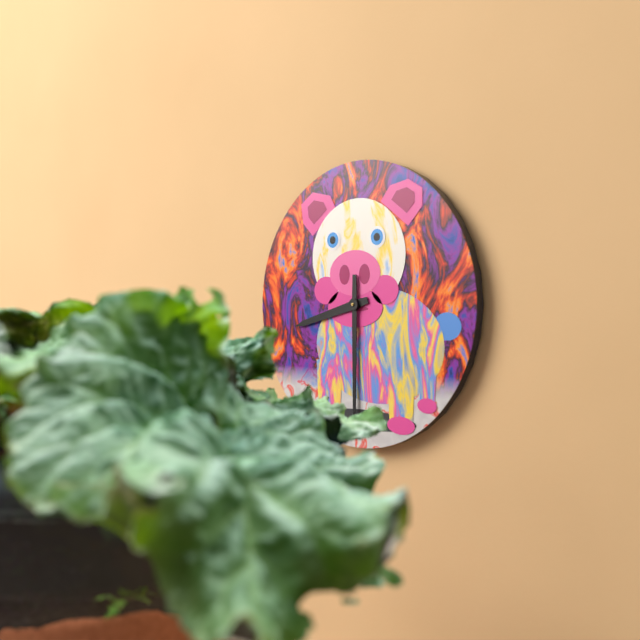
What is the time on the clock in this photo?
8:30
